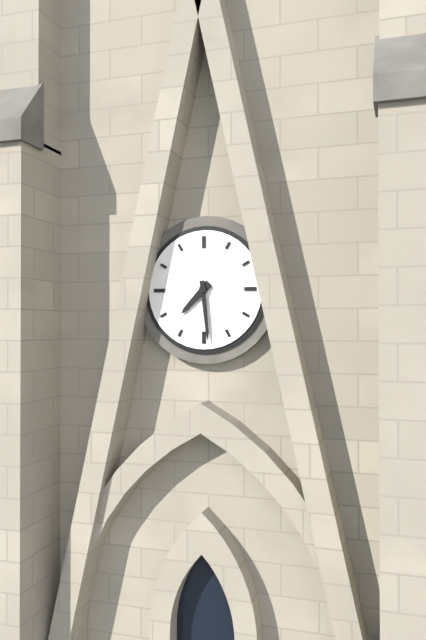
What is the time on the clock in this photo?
7:29
